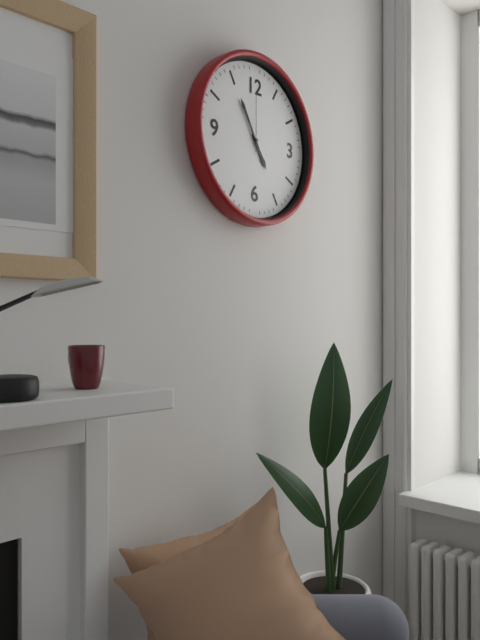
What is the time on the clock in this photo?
4:55:00
